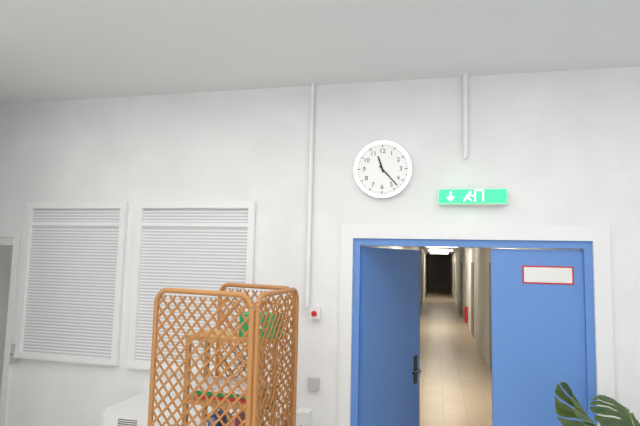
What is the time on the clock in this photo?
11:23
